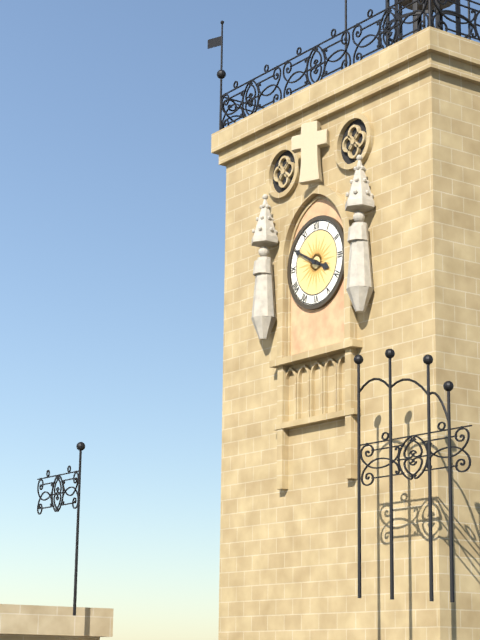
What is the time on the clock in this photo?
3:50
